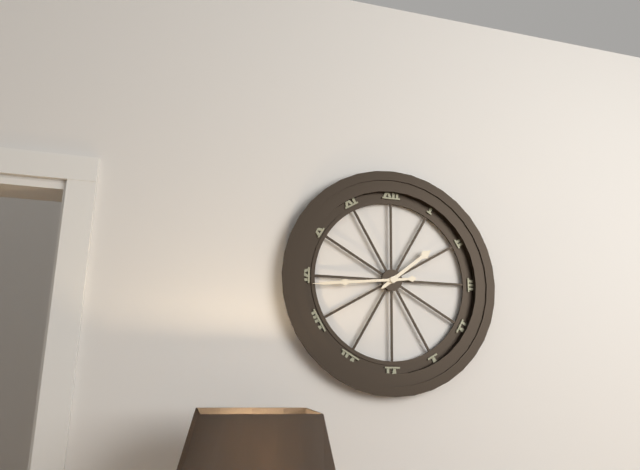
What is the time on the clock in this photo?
1:44
